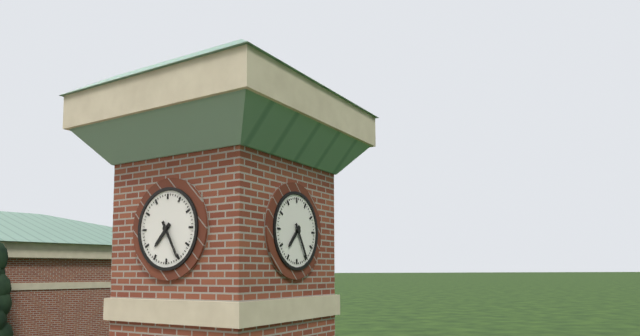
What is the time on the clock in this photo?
7:25
